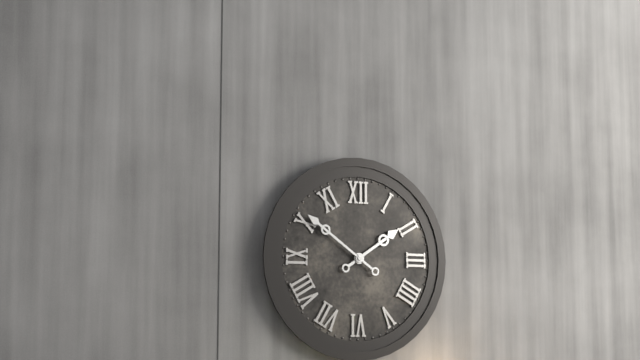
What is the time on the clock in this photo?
1:51
